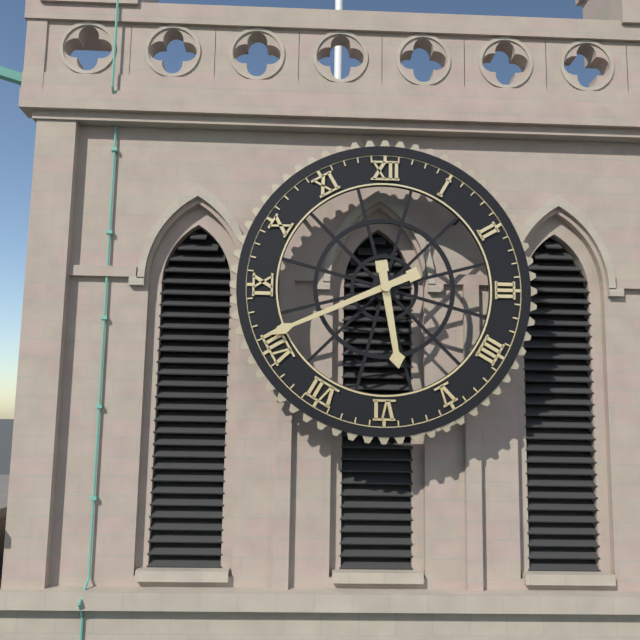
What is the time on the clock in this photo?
5:41
